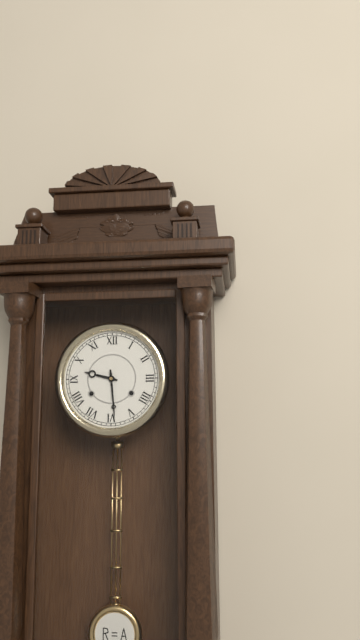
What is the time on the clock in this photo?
9:29
